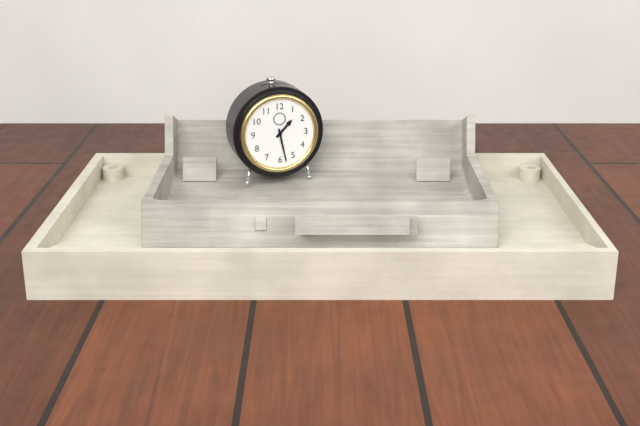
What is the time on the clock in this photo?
1:28
